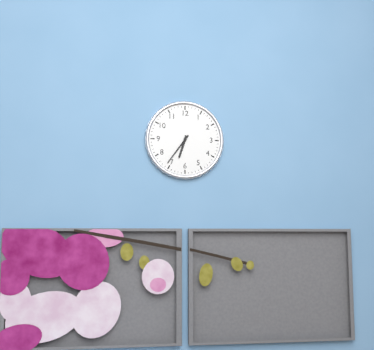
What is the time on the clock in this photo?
6:36
